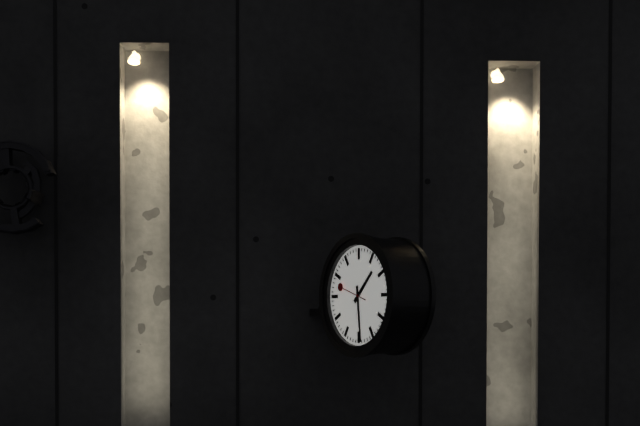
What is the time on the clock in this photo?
1:29
